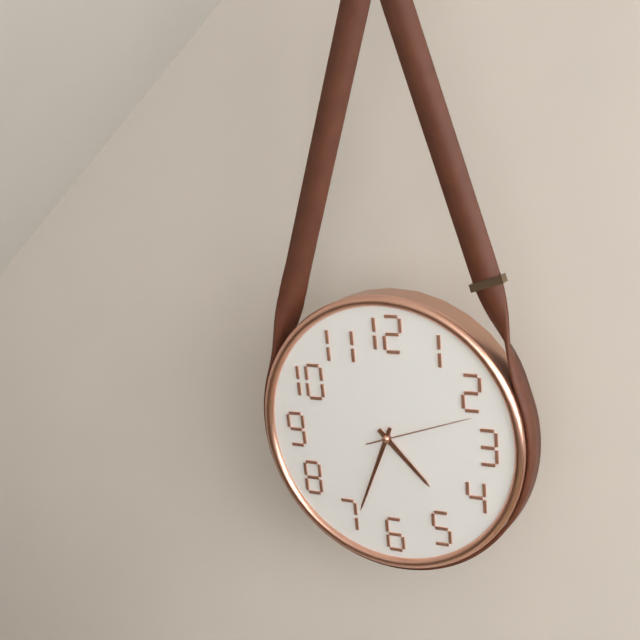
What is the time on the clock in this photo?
4:34:12
